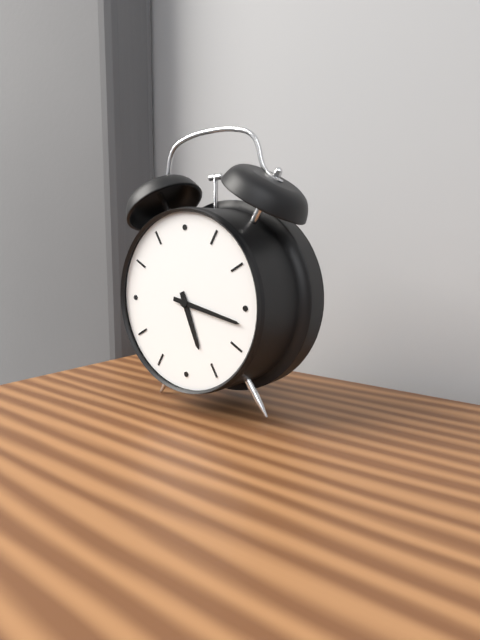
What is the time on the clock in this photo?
5:17
